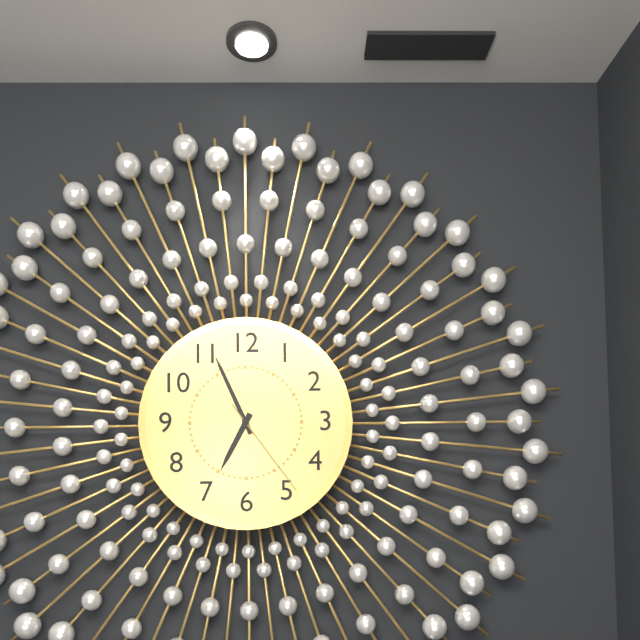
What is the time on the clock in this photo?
6:56:24
